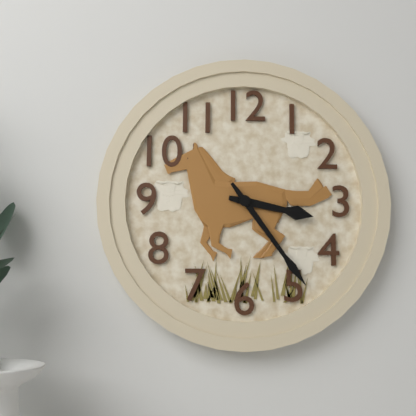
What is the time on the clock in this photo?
3:24
